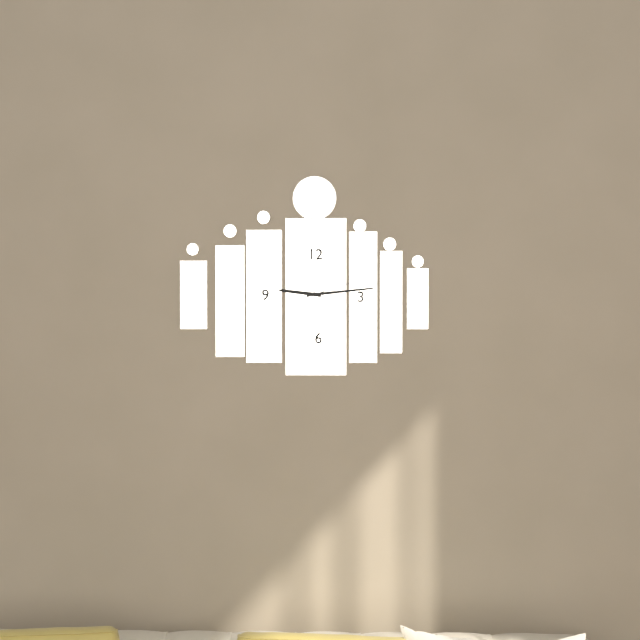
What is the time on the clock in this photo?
9:14:12
